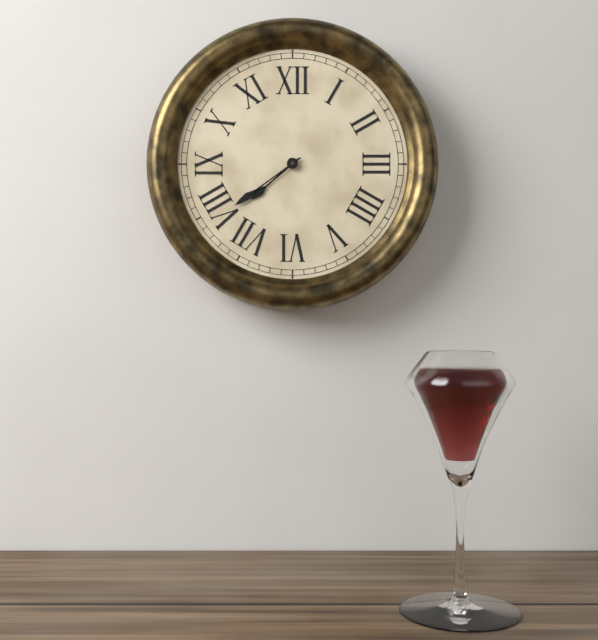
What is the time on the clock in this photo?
7:39
